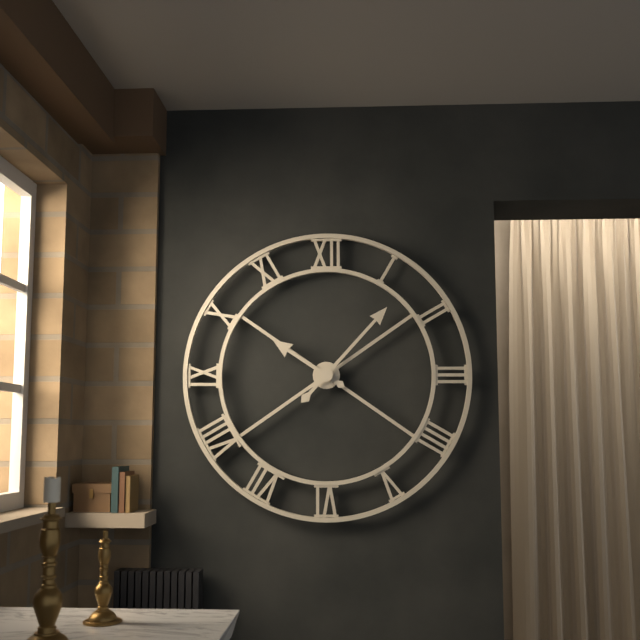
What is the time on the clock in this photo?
10:07
